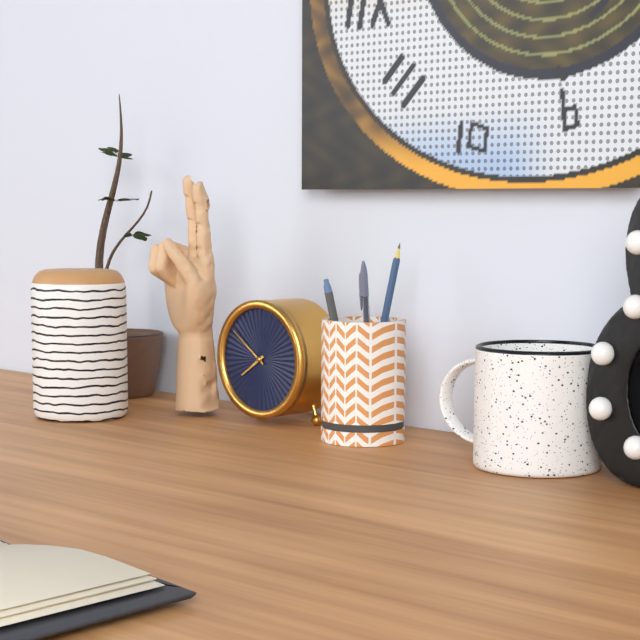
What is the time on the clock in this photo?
7:51
